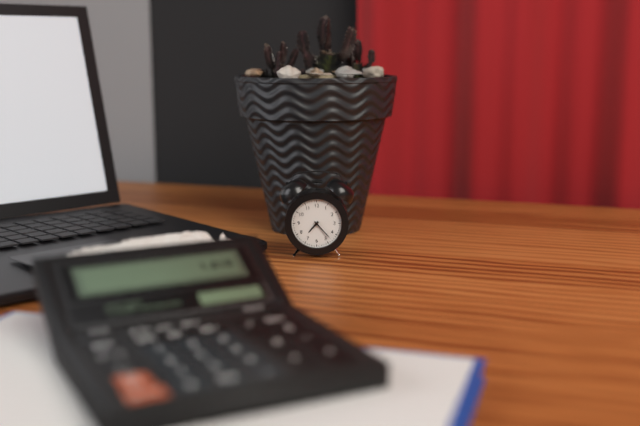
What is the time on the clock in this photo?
7:23
